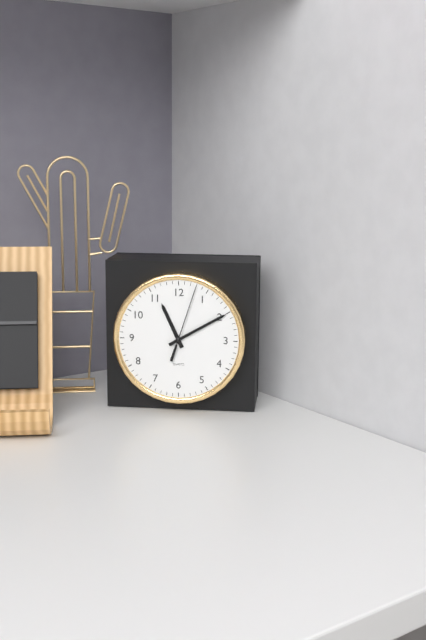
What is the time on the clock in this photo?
11:10:03
